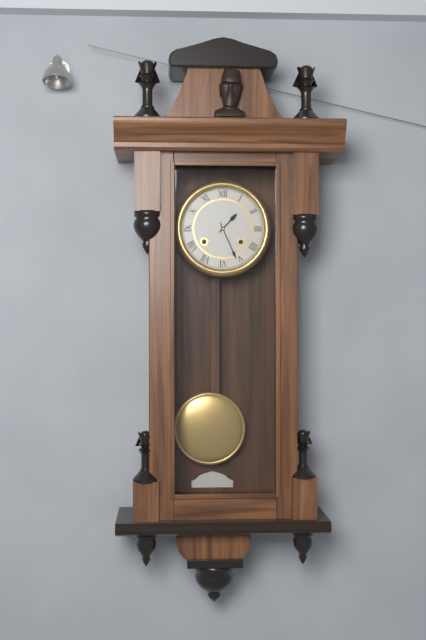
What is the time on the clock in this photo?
1:26
